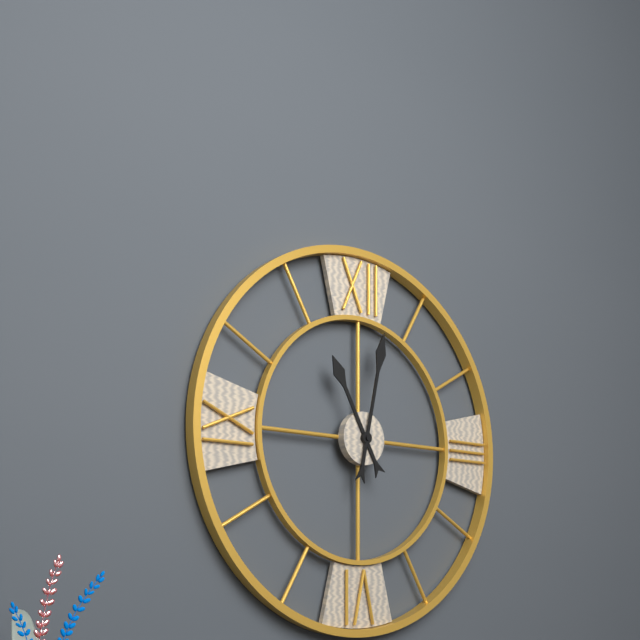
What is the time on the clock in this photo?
11:02
